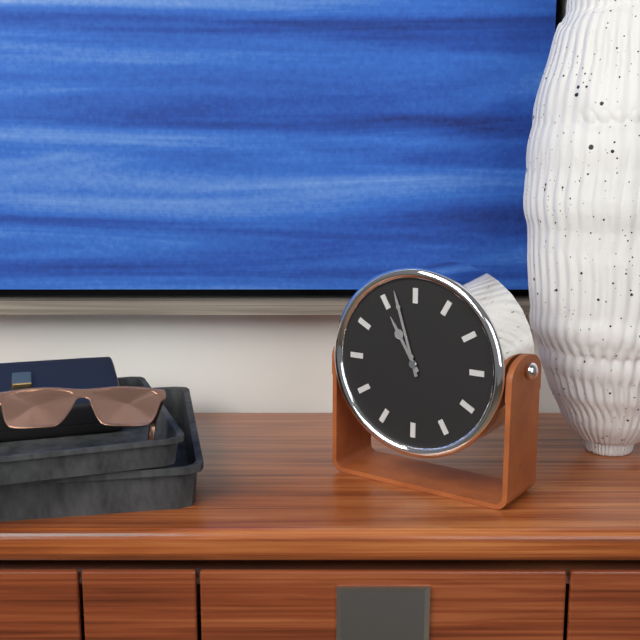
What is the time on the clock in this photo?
10:57
